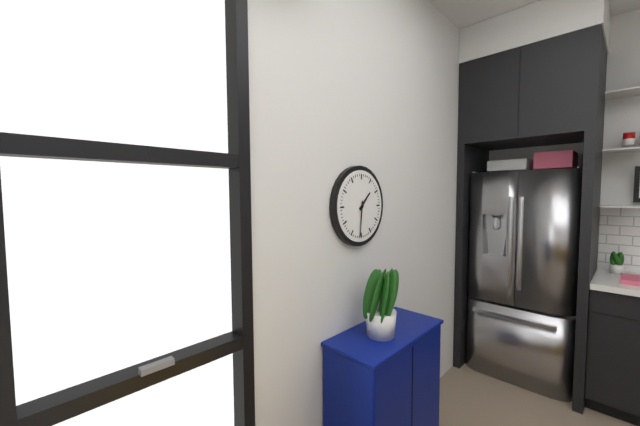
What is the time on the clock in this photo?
1:31
